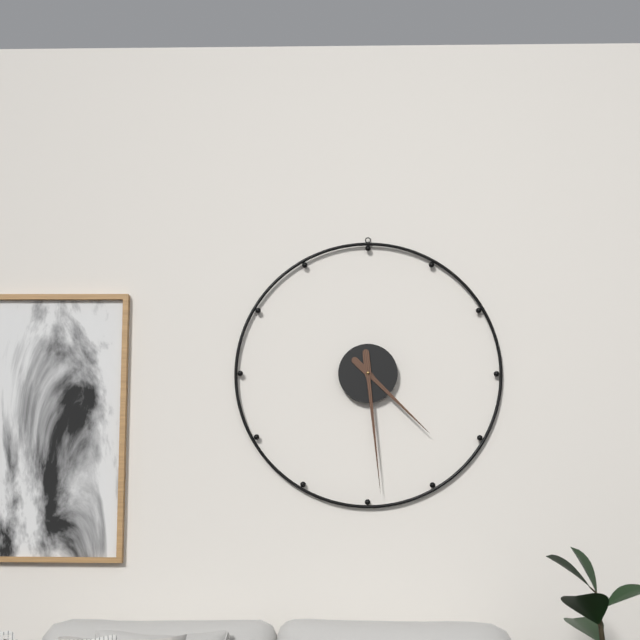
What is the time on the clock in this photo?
4:29
